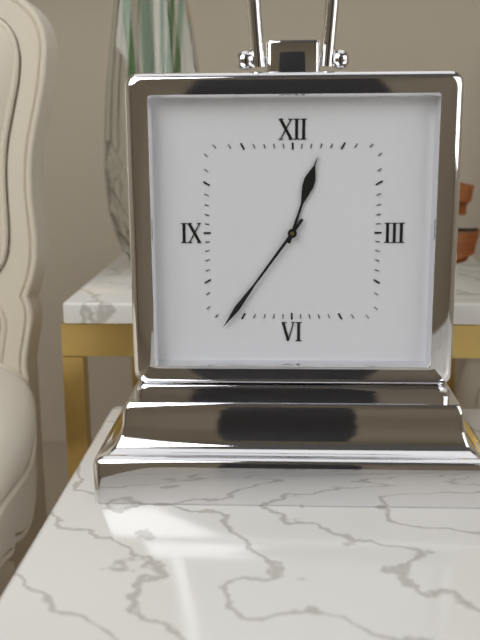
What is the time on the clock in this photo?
12:36
